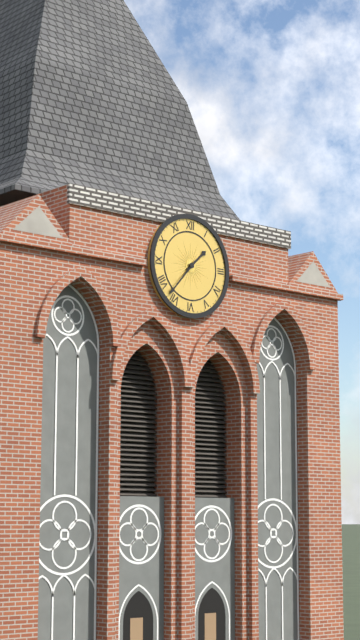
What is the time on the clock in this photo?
1:37
